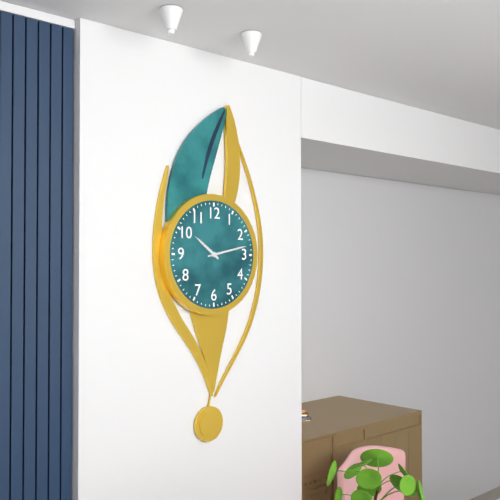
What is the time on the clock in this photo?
10:13
